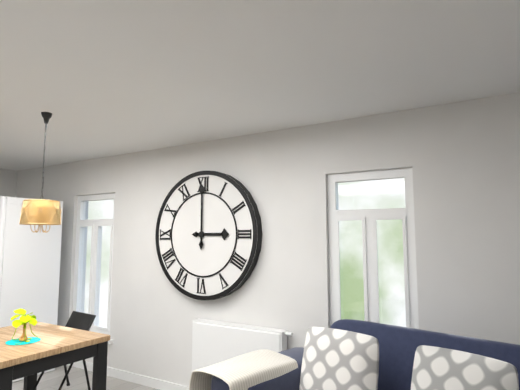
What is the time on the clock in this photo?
3:00
